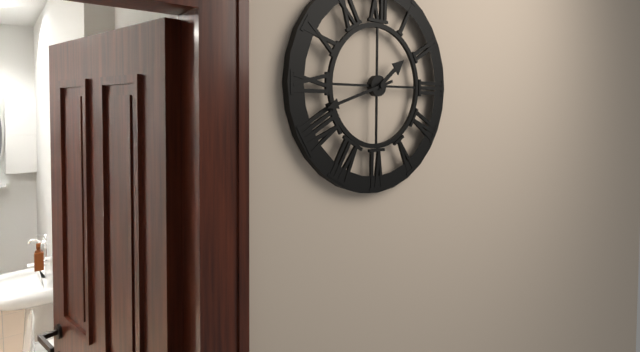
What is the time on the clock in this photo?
1:42
